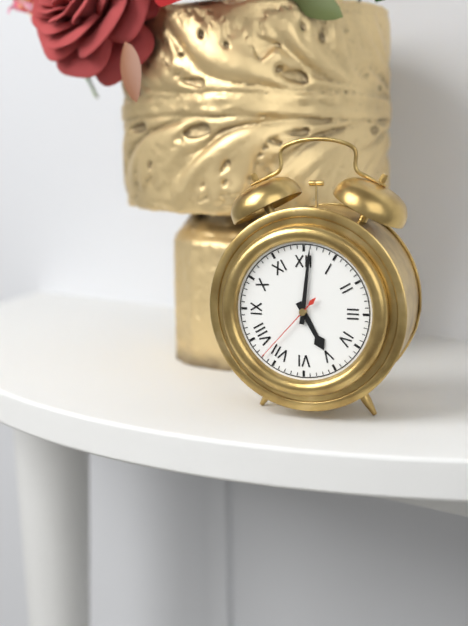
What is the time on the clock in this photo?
5:01:37
